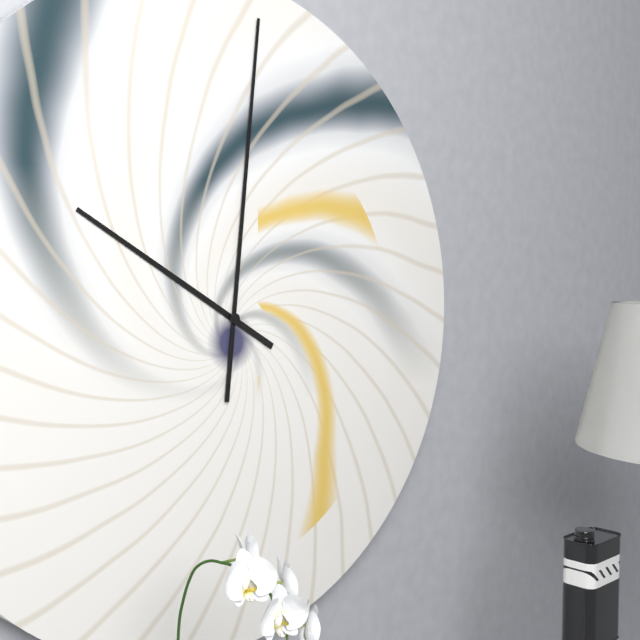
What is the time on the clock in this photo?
10:01
